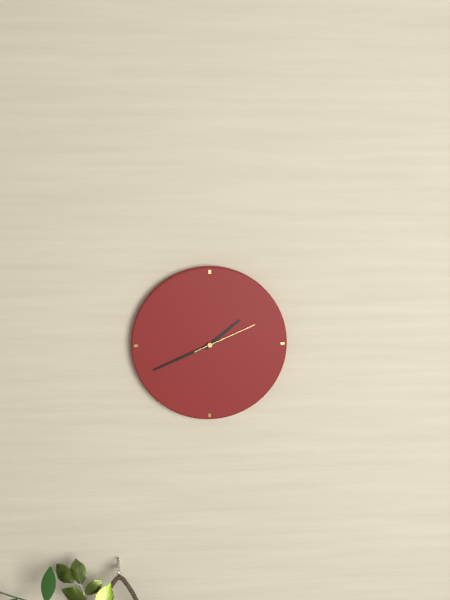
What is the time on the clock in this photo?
1:41:11
